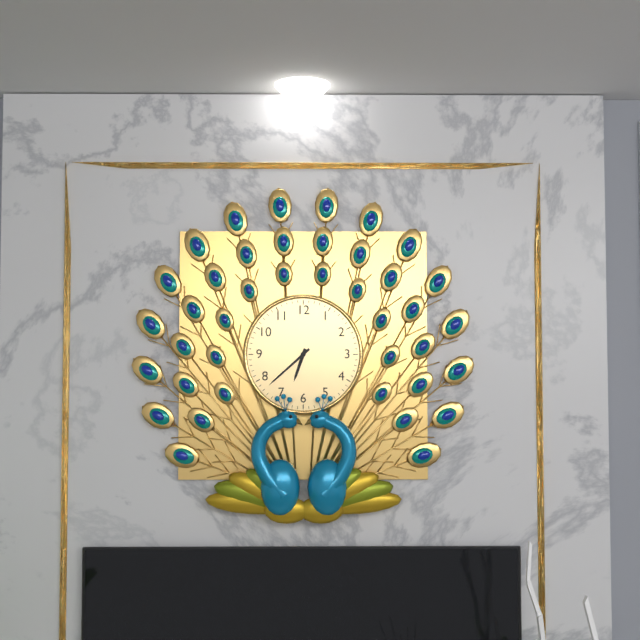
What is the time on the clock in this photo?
6:38
